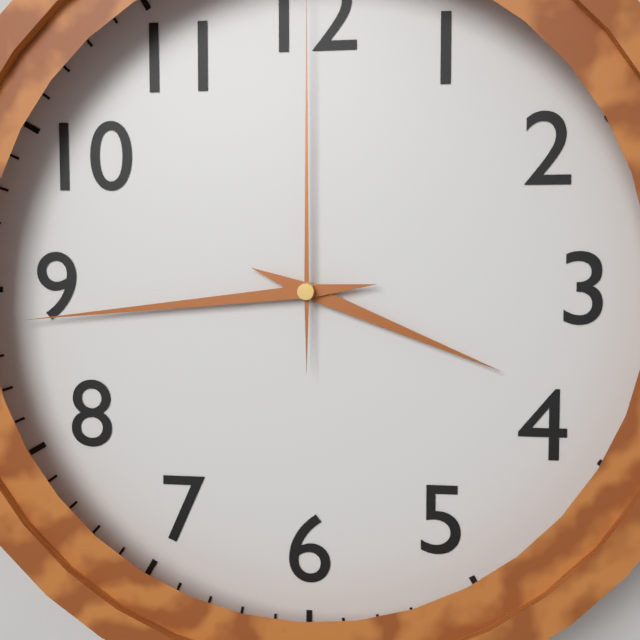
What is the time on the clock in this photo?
3:44
